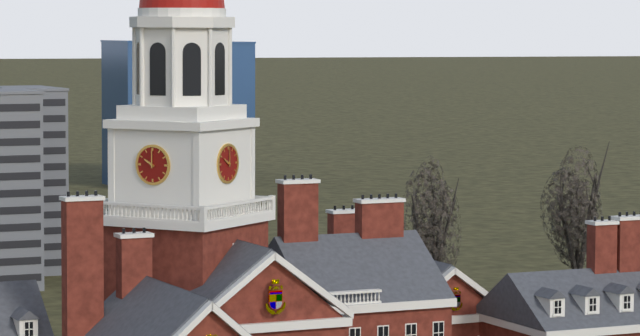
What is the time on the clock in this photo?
10:00
